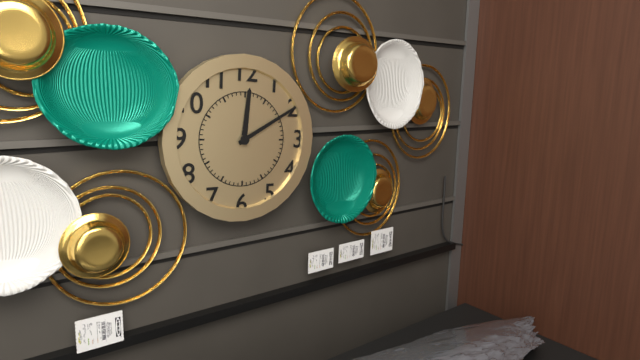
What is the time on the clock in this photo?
12:10
